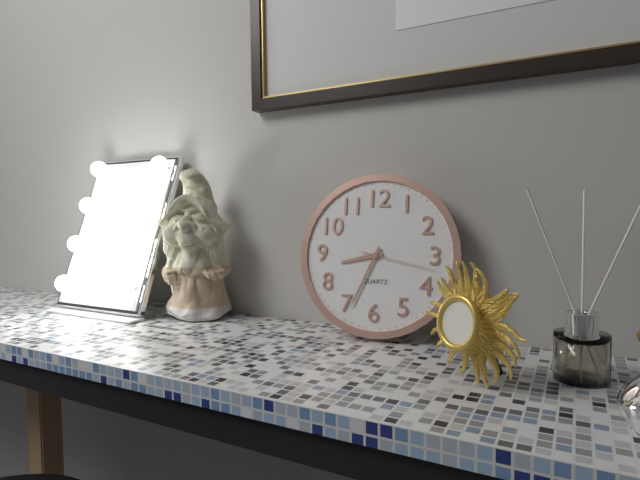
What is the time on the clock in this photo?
8:34:17
